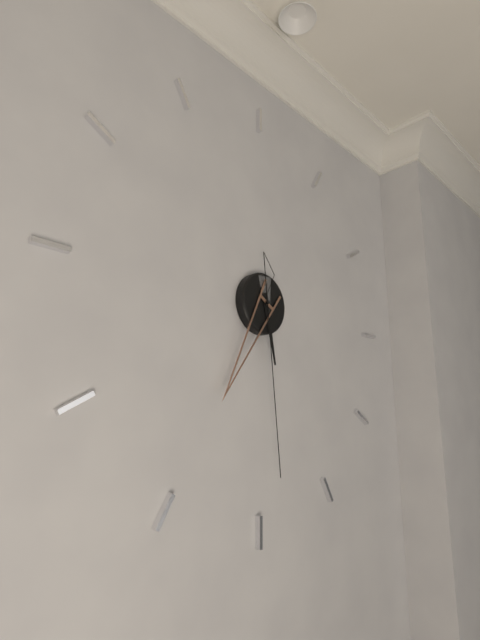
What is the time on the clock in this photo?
5:35:29
